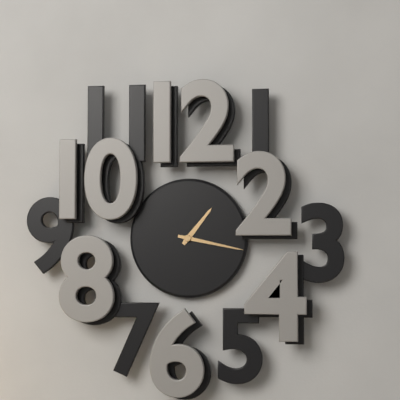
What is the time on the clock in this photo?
1:17
